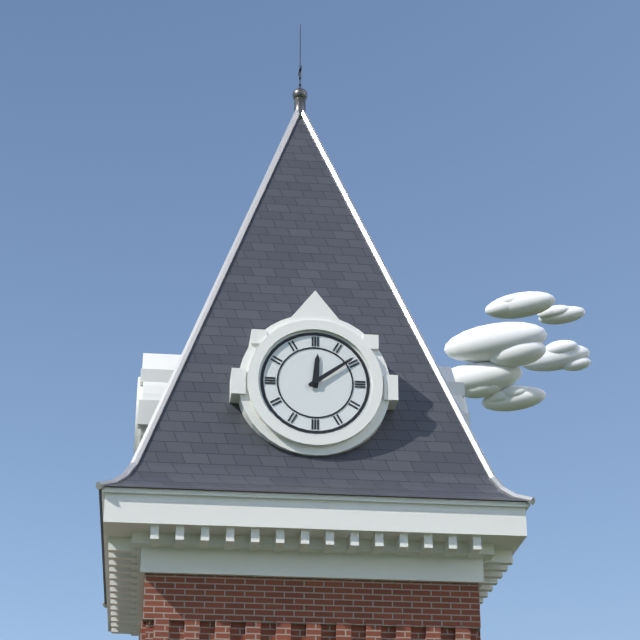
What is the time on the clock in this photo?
12:09
